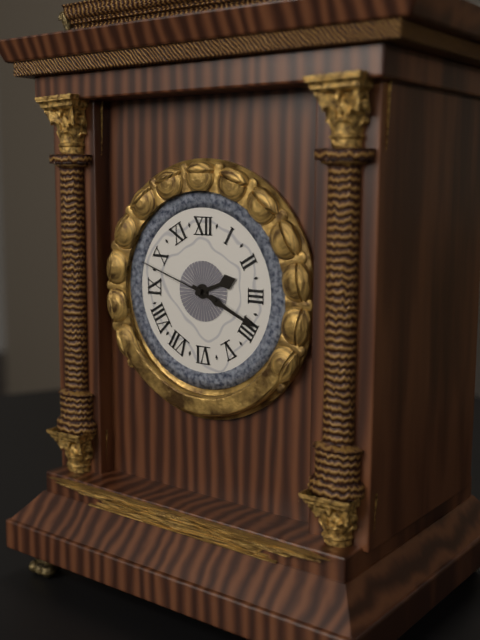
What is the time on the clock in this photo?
2:19:48
